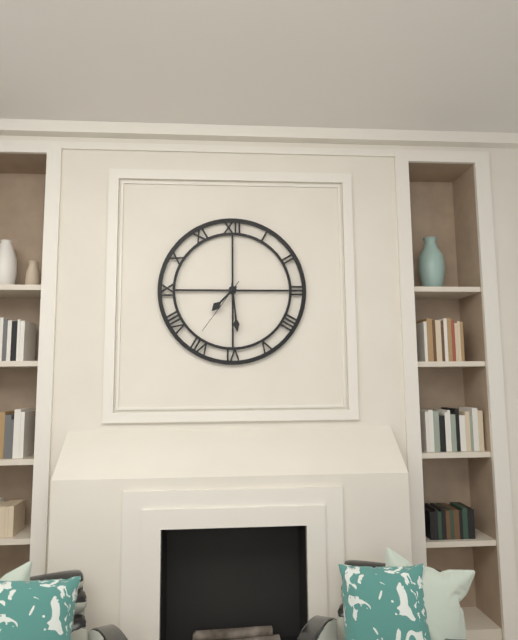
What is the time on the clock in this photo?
7:29:36
